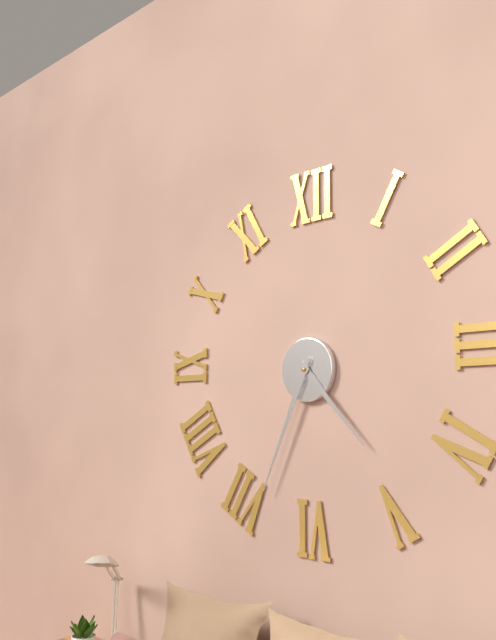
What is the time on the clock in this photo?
4:34
